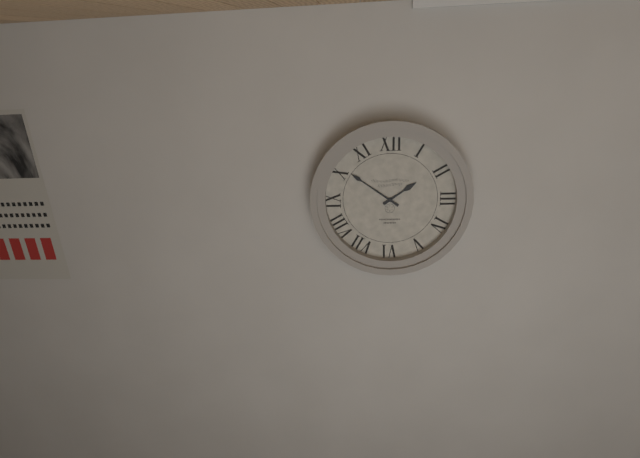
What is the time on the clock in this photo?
1:51
